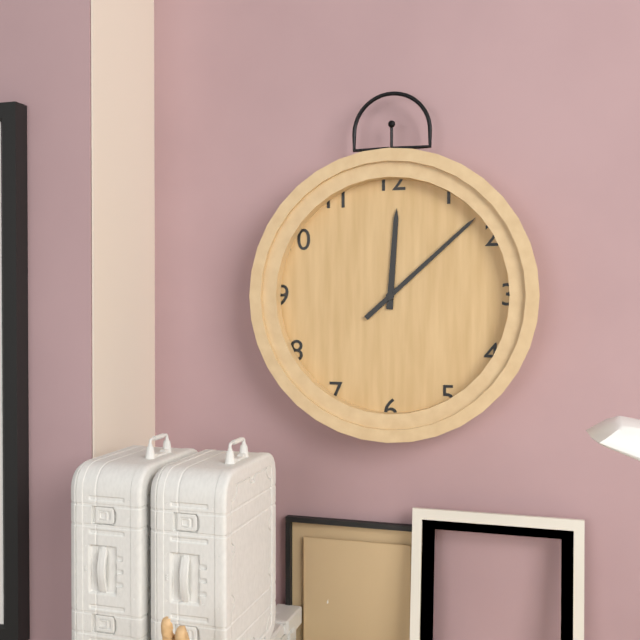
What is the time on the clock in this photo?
12:08
